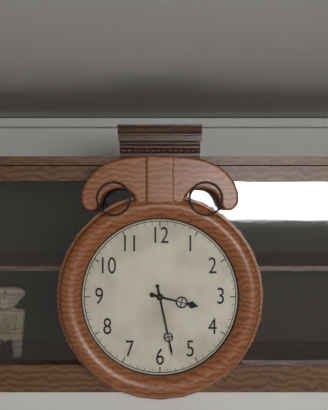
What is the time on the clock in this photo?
3:28
